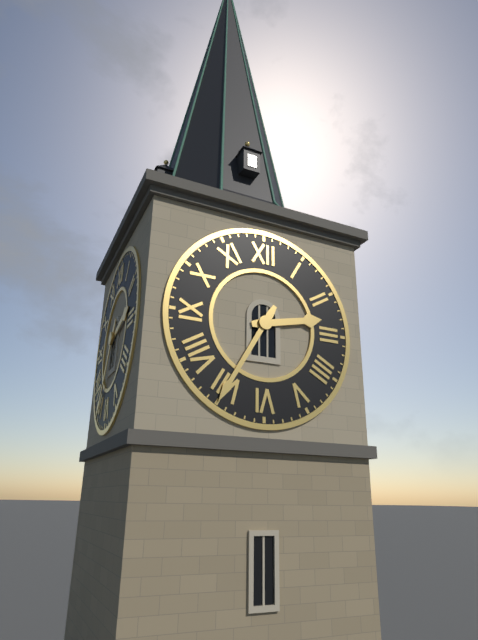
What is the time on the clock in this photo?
2:35
